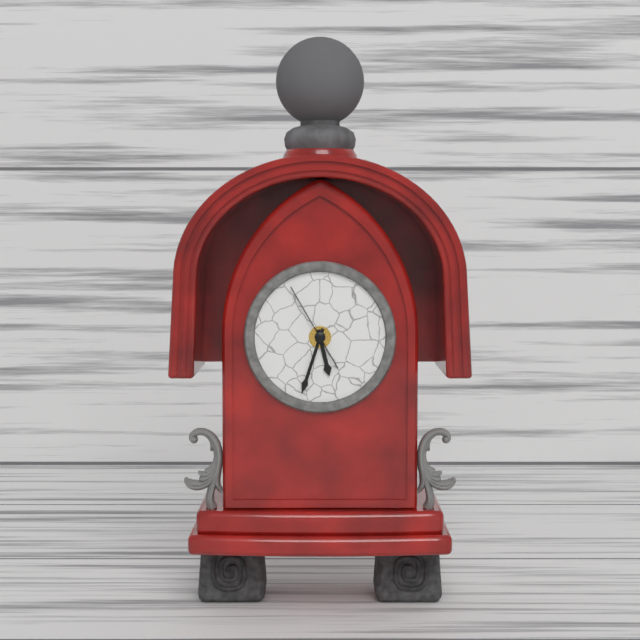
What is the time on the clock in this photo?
5:33:55
